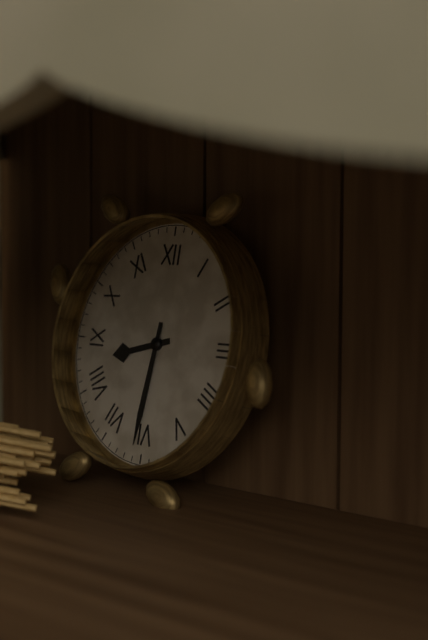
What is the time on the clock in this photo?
8:31
